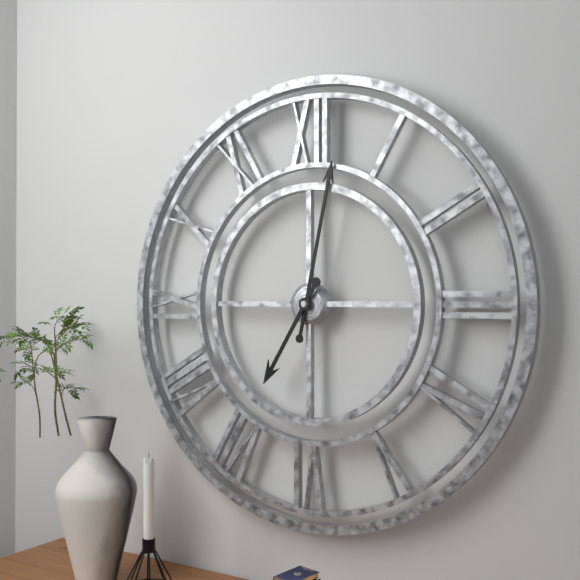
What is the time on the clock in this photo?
7:02
